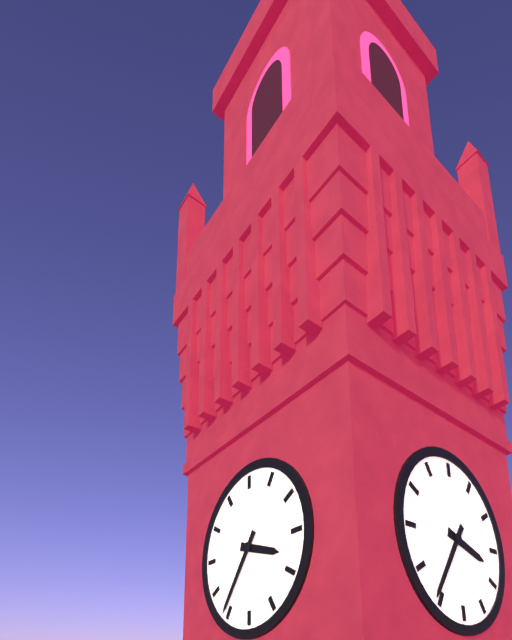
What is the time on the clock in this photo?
3:36
